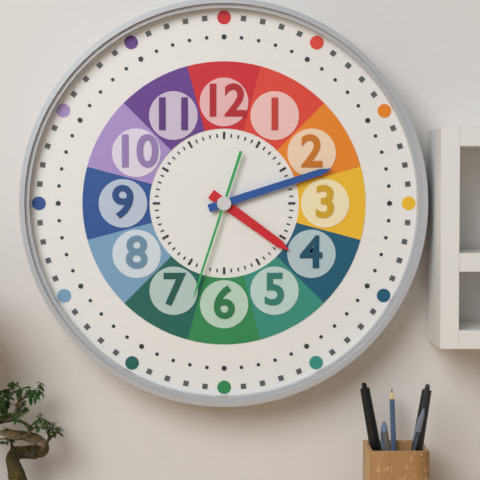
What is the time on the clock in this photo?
4:12:33
